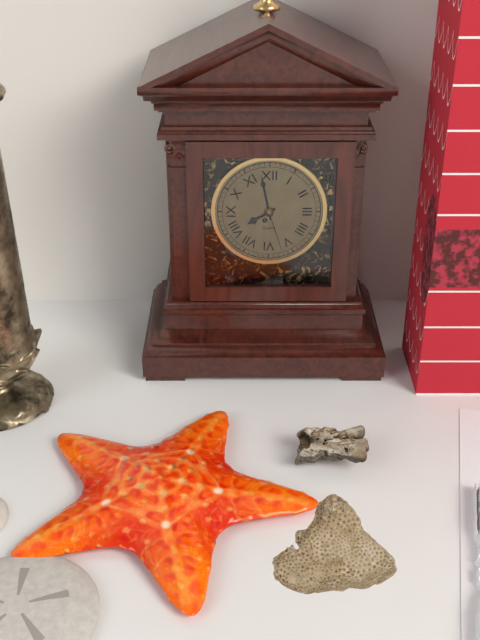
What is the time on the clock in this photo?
7:58
